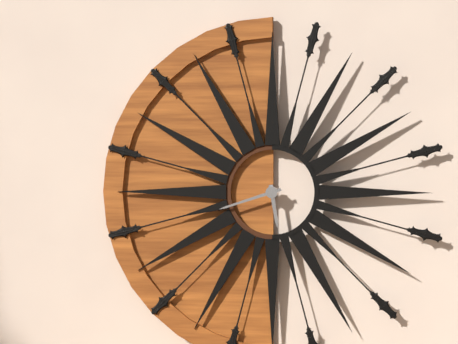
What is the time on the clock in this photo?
5:42
